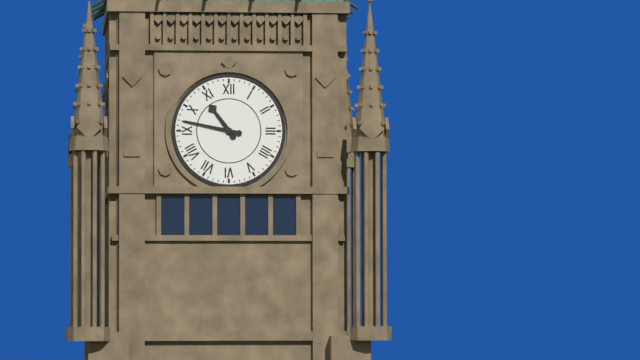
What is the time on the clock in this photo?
10:47
